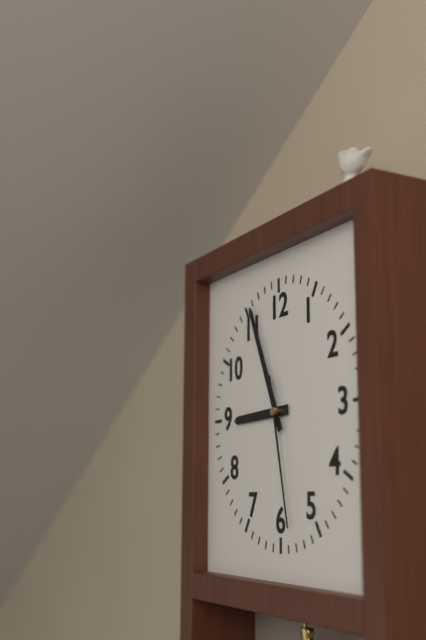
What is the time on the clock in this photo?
8:56:28
